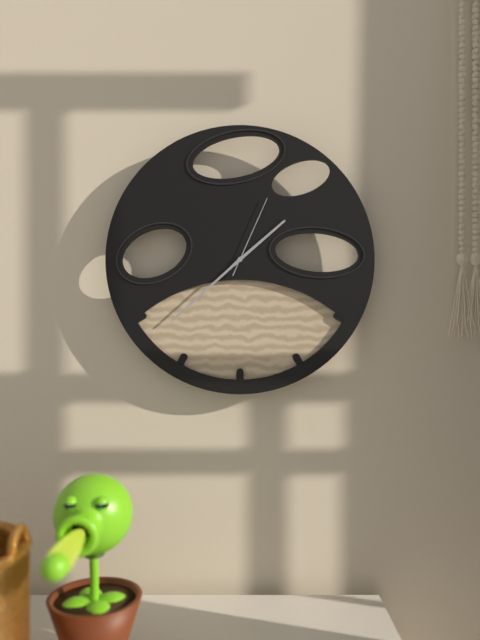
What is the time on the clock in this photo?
1:38:04
